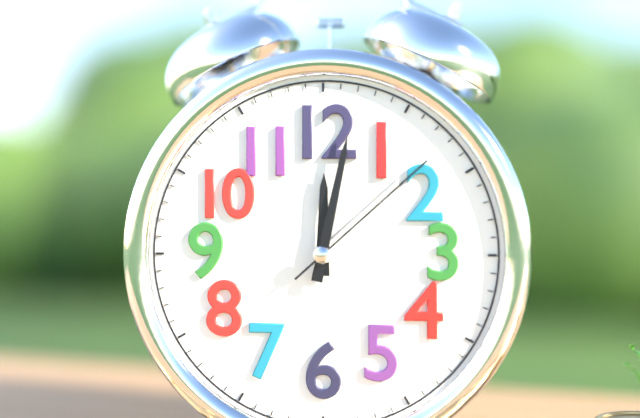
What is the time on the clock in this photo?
12:02:08
